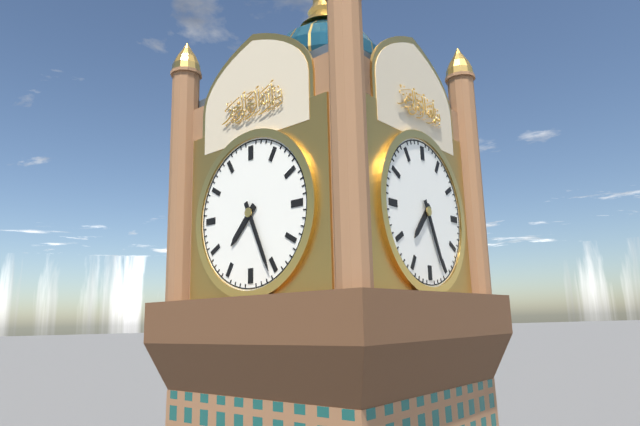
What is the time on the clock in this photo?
7:26
